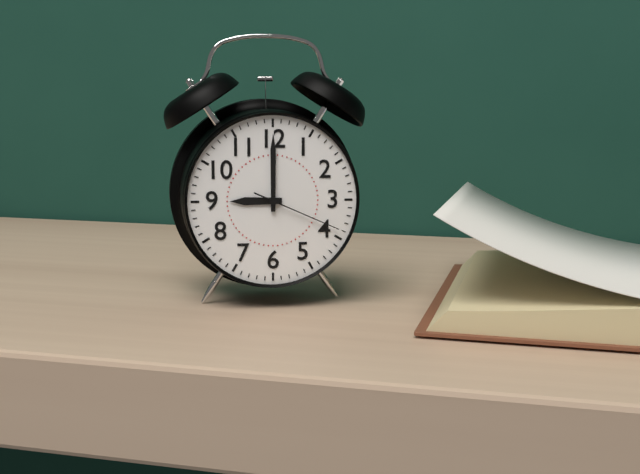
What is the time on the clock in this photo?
9:00:19
